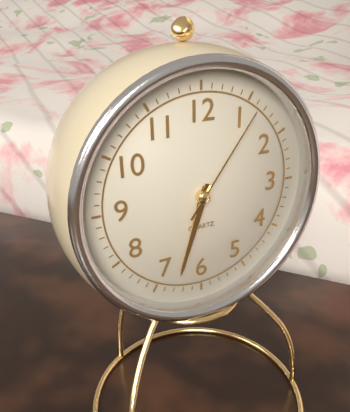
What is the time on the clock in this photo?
6:33:06
